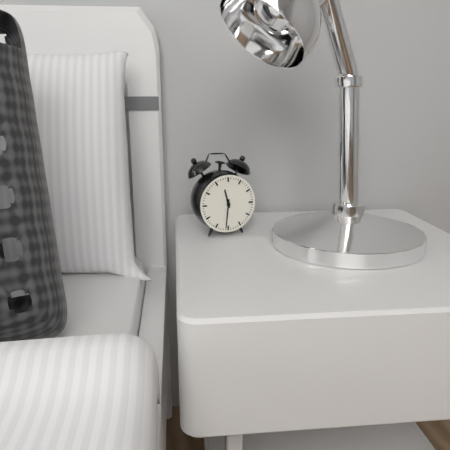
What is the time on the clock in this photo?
11:31
